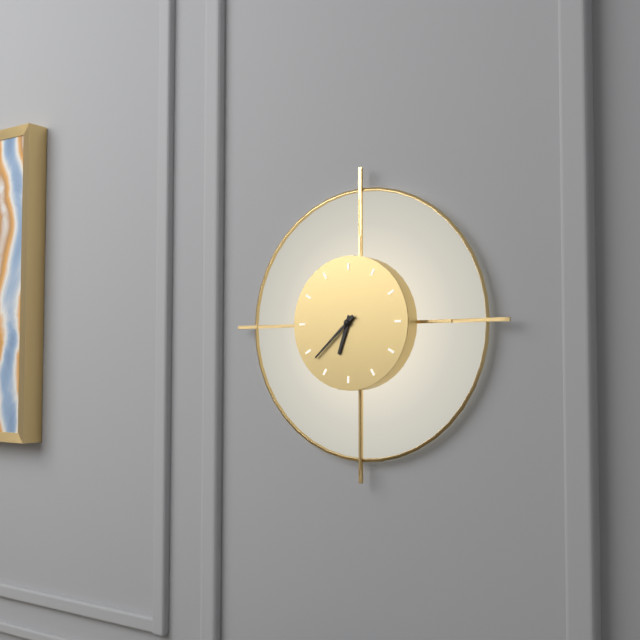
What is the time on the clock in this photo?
6:38
